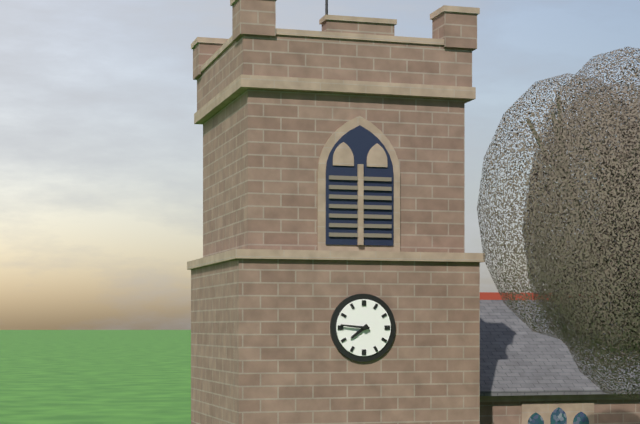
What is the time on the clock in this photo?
7:46
